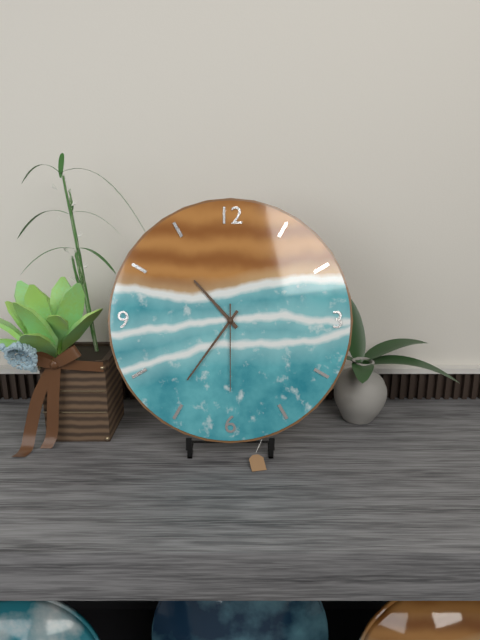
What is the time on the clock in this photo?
10:36:30
